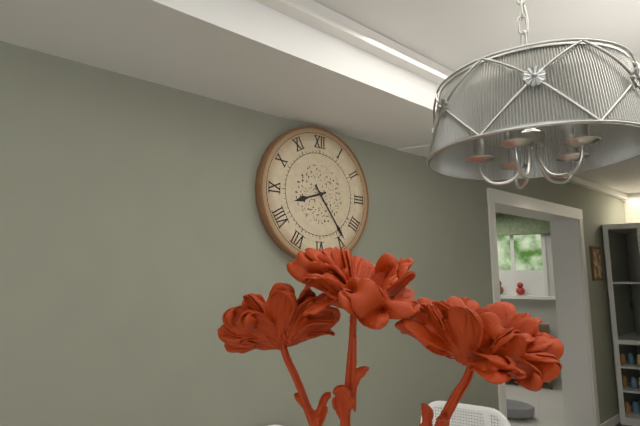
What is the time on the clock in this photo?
8:24
